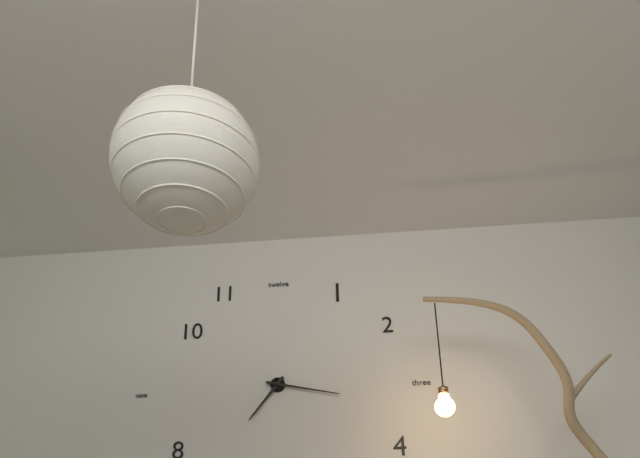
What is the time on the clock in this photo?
7:17
